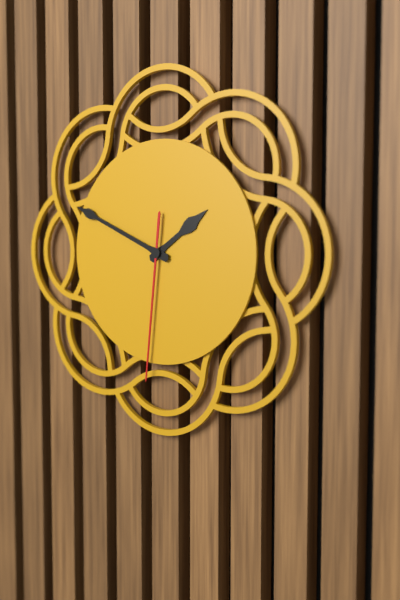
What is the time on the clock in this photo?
1:49:31
